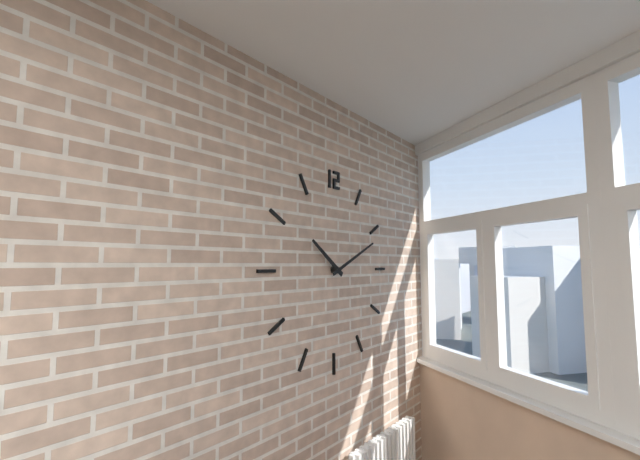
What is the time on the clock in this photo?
10:11
